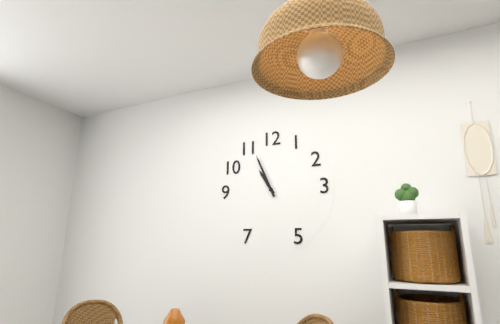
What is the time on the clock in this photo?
10:56
